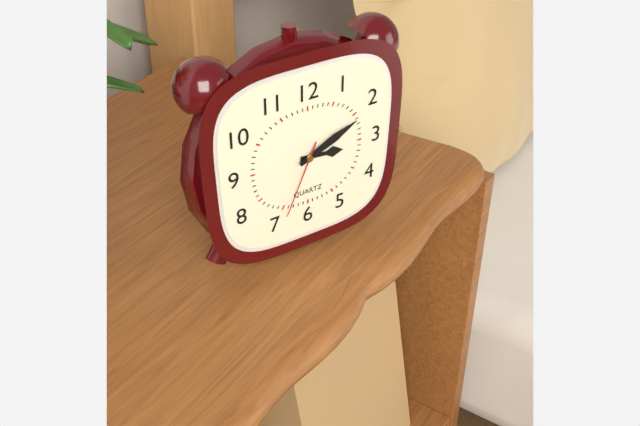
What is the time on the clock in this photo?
3:11:34
